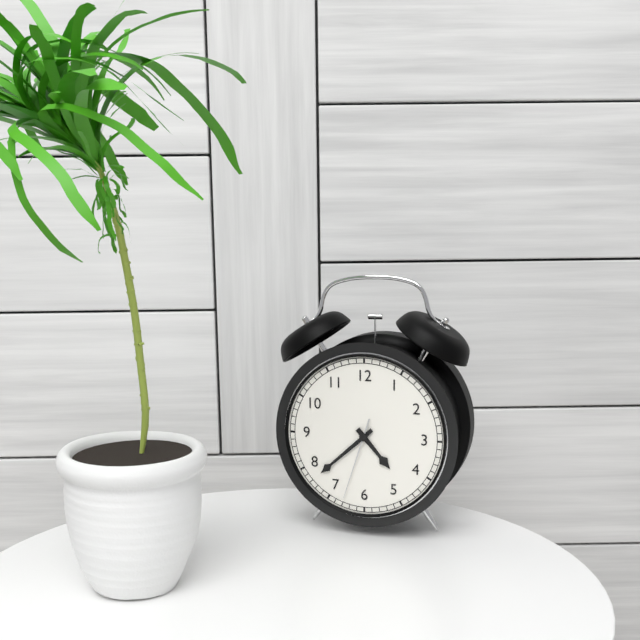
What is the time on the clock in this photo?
4:38:33
